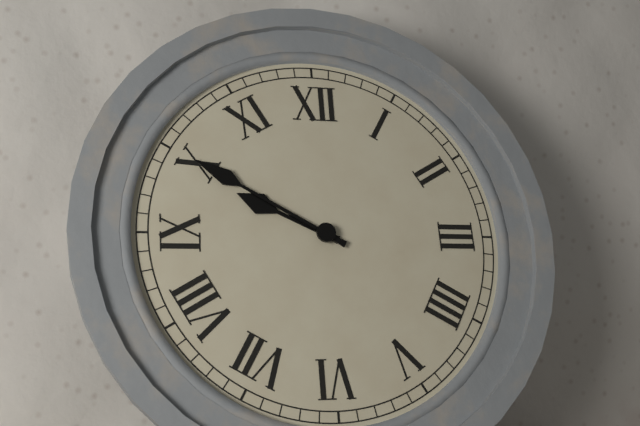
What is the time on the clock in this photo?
9:50
